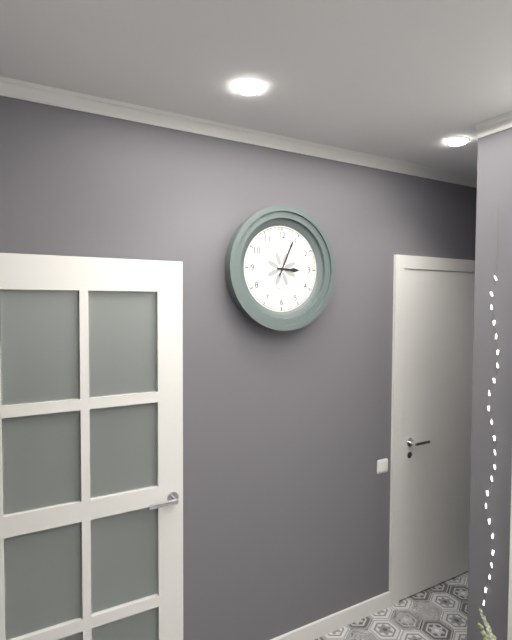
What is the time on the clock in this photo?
3:04
